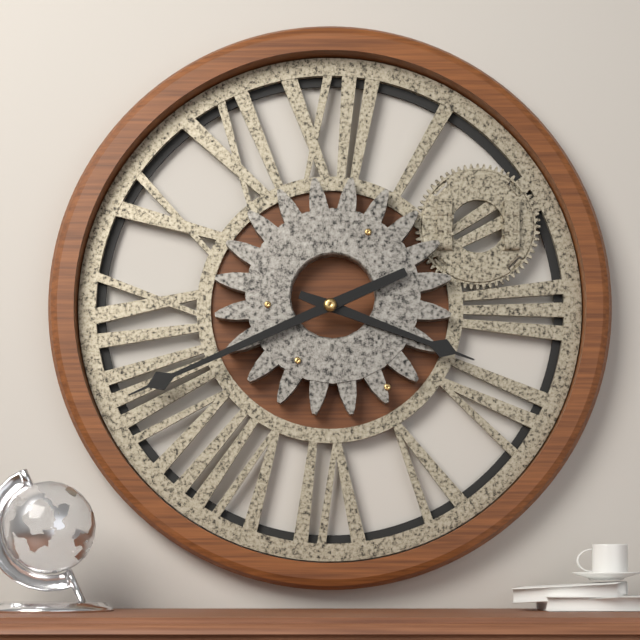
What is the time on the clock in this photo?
3:41
